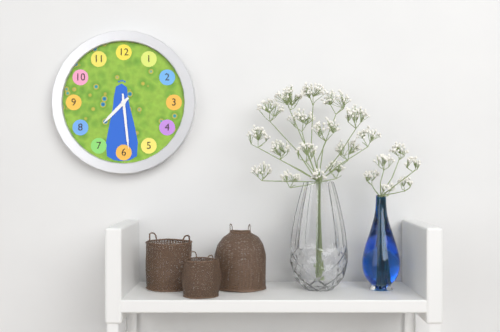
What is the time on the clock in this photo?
7:29
